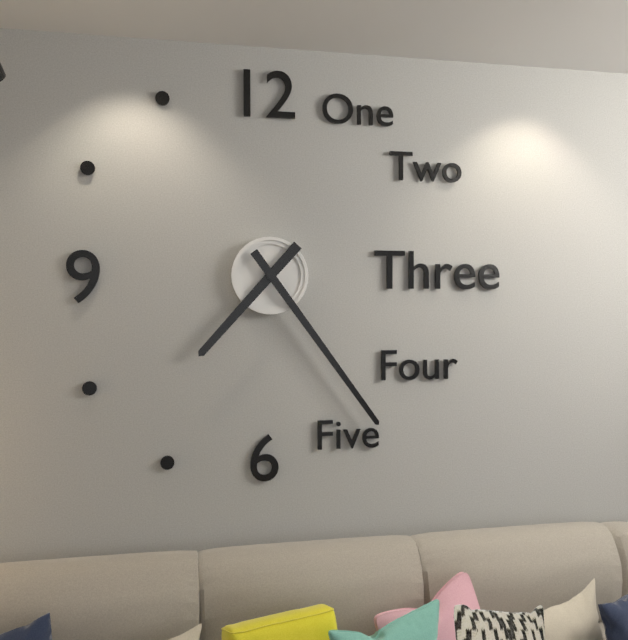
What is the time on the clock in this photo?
7:24
